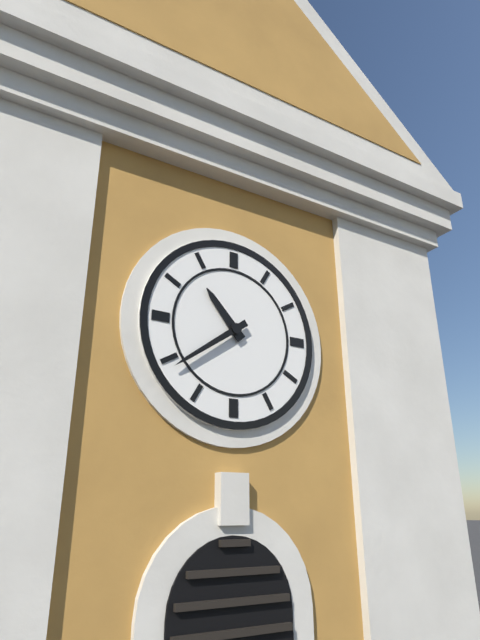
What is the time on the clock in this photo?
10:39
